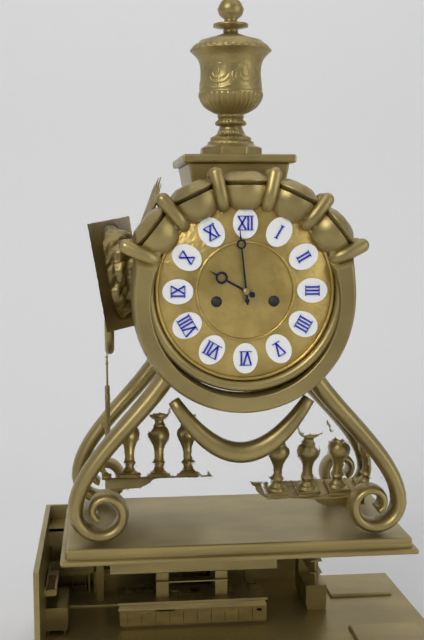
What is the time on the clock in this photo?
9:59
